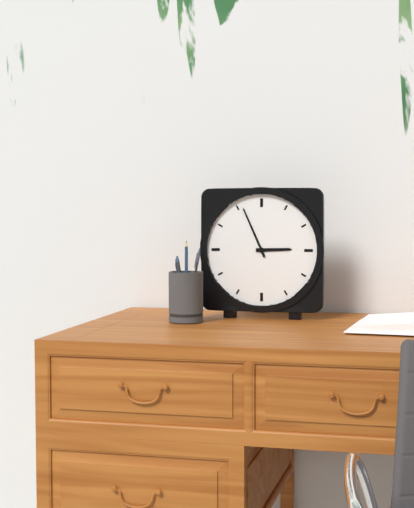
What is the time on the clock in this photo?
2:56
